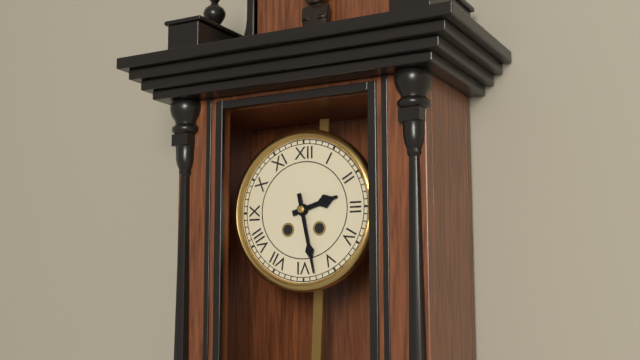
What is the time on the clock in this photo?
2:28
